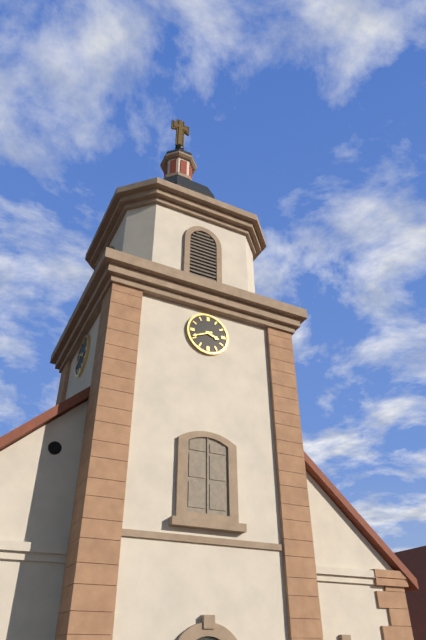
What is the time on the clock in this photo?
3:41
